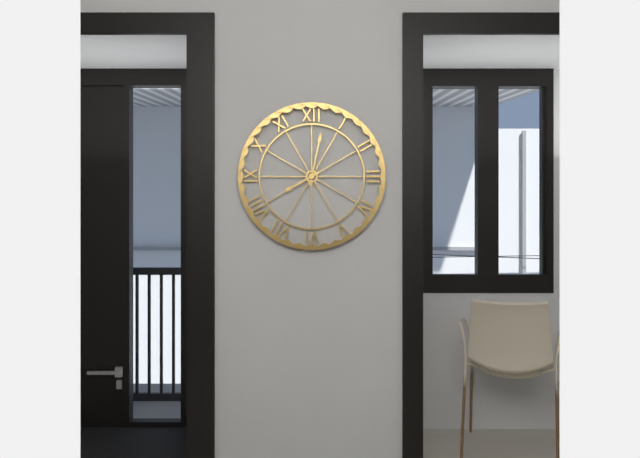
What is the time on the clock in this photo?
8:02
